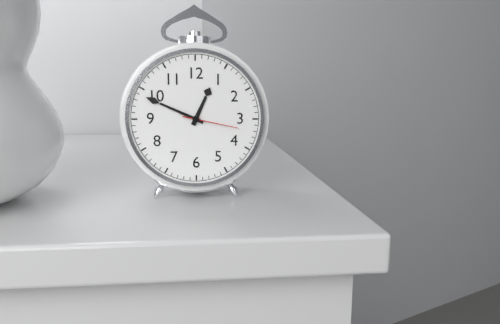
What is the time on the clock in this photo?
12:49:17
